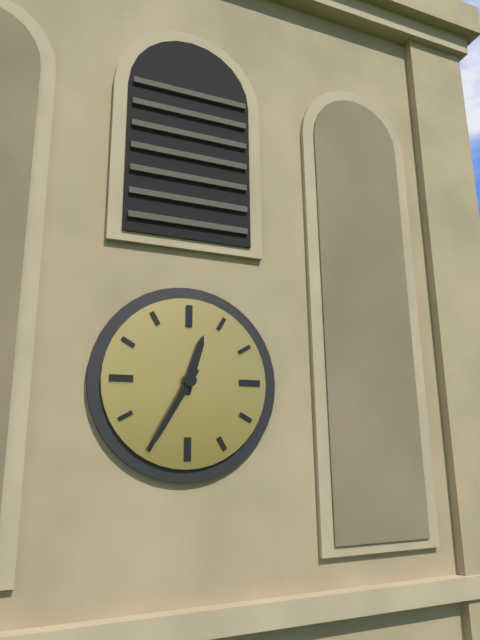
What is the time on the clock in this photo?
12:35
